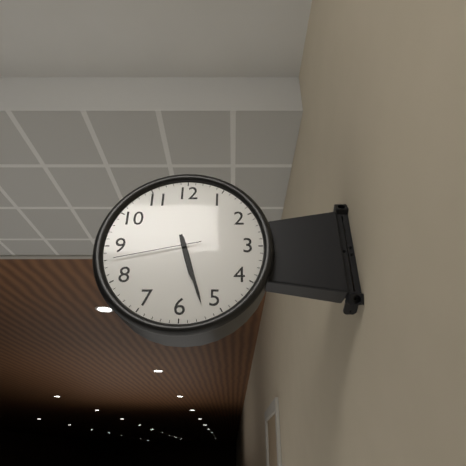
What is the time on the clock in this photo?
5:27:43
